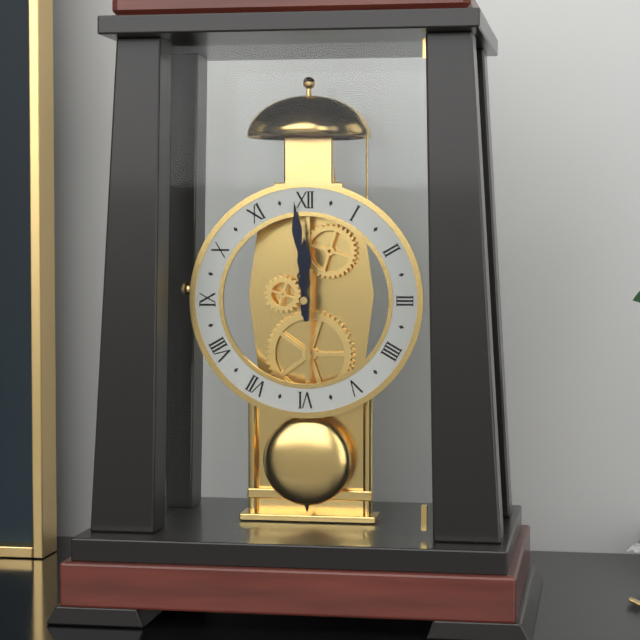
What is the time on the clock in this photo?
11:59
